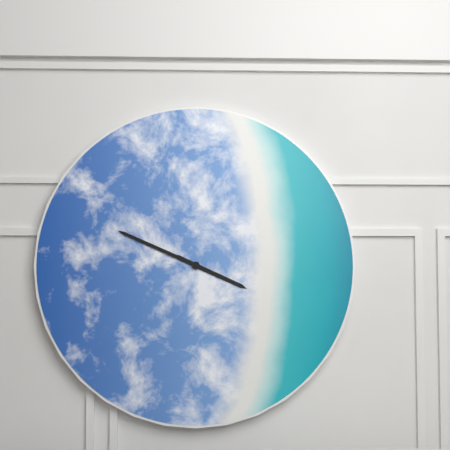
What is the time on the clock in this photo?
3:49
